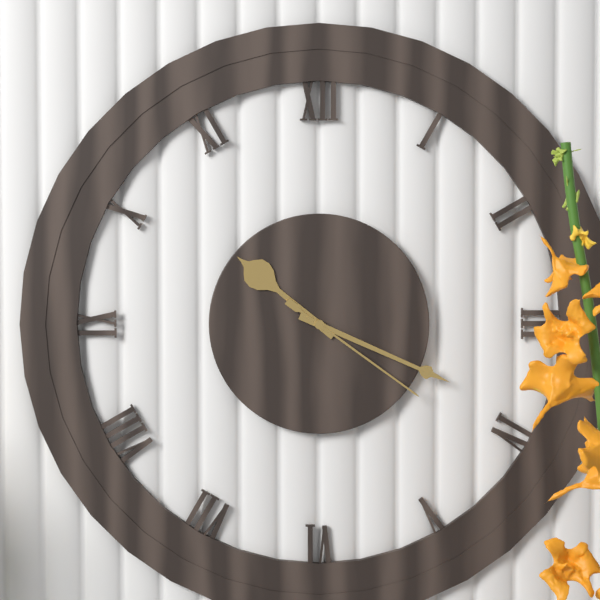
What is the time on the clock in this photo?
10:19:21
